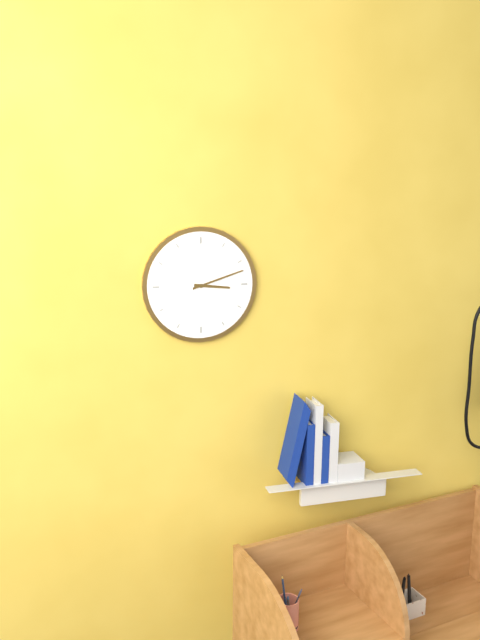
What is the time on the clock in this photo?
3:12
